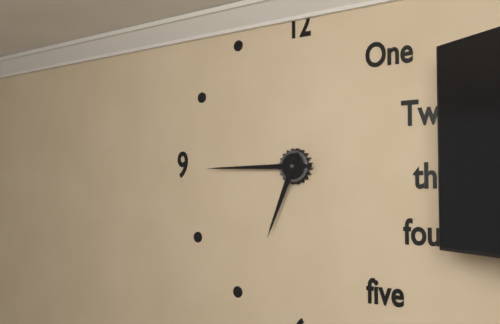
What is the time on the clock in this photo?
6:45
